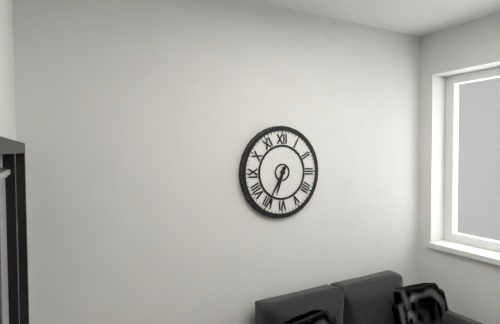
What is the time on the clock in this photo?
6:35
